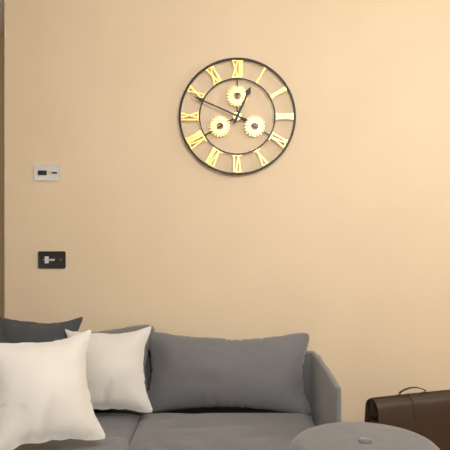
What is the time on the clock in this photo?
12:49
